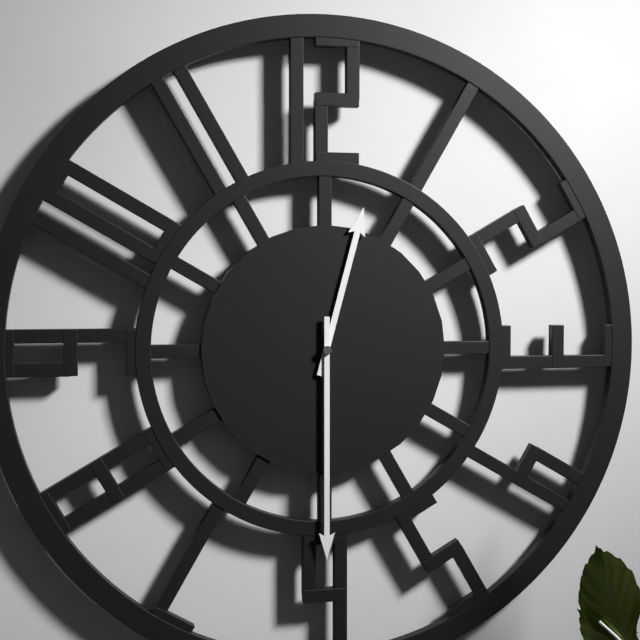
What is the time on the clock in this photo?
12:30
